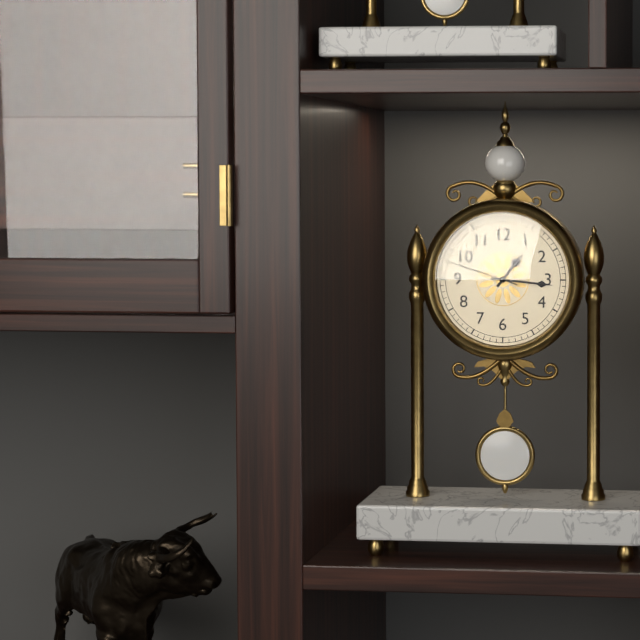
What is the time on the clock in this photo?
1:16:48
